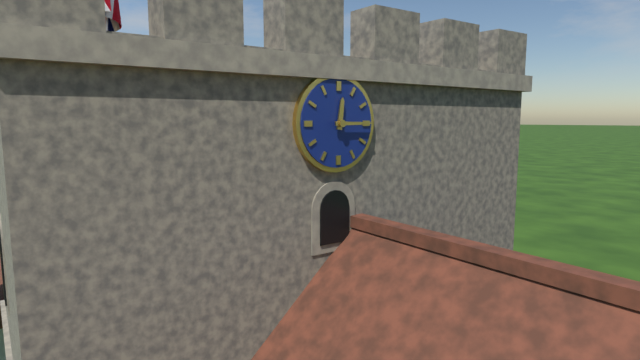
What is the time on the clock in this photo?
12:15
